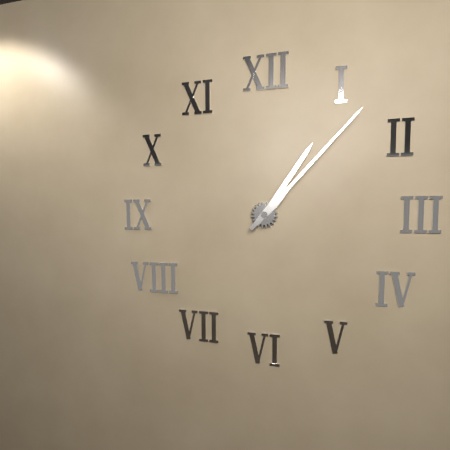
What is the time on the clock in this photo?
1:07
